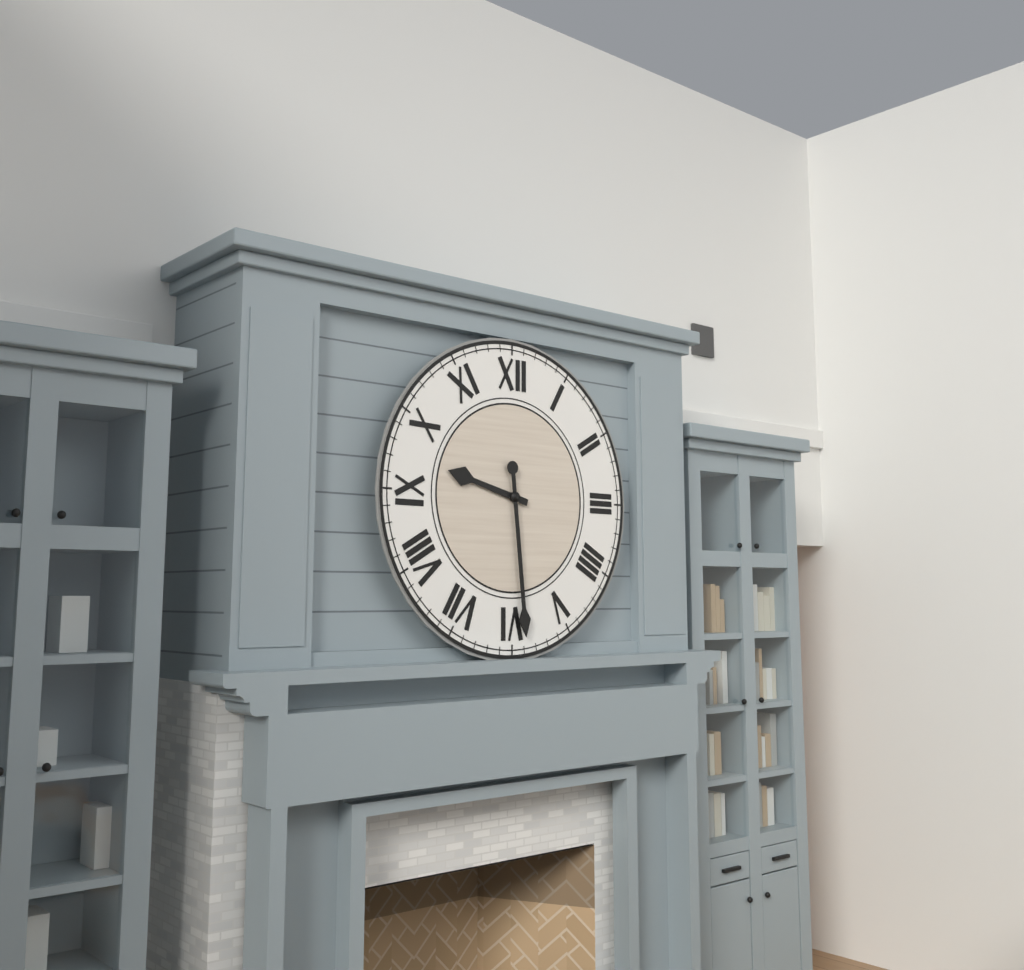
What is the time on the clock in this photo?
9:29
